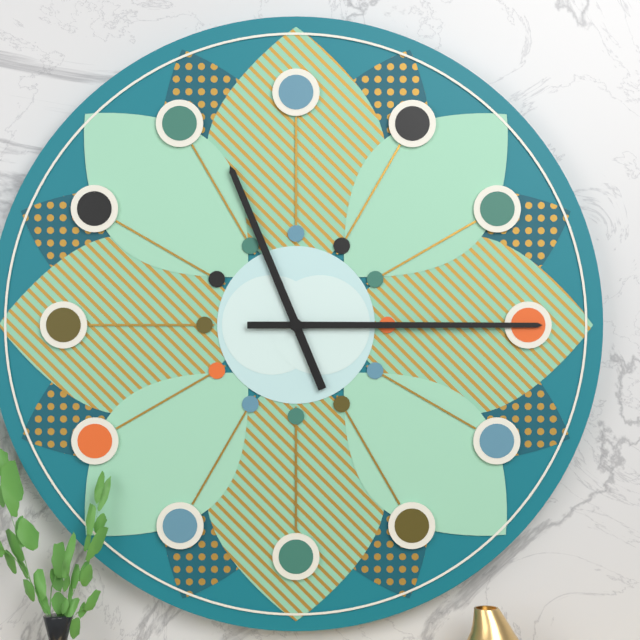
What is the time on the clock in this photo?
11:15
